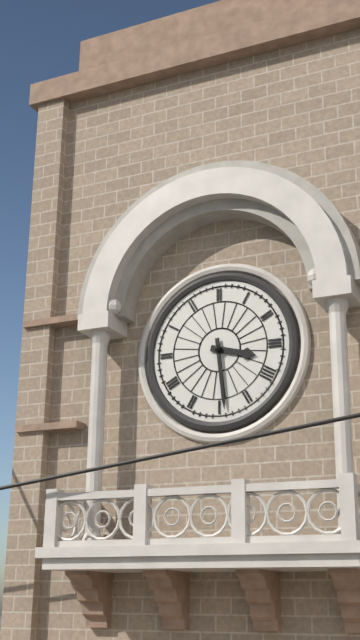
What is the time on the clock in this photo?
3:29
